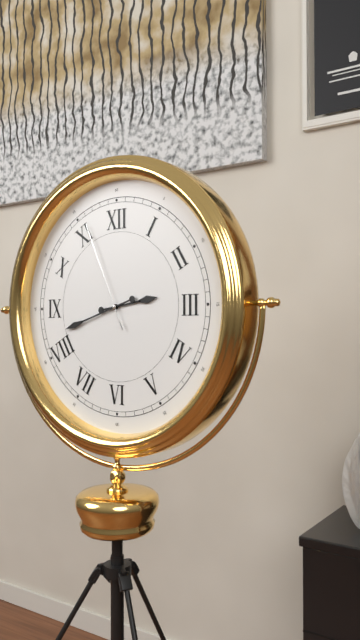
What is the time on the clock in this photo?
2:42:56
